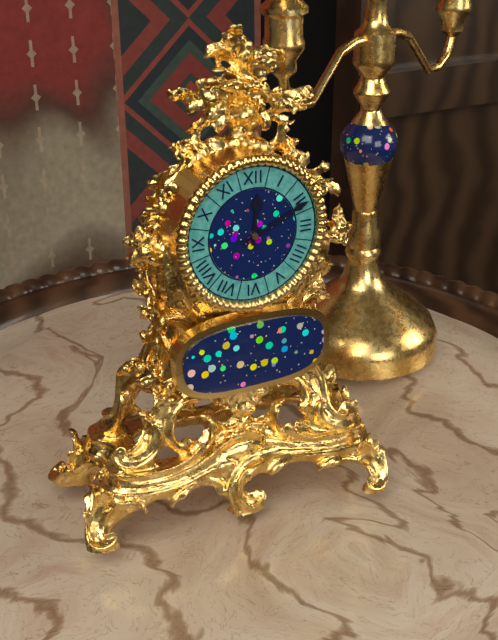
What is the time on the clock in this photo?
12:11
